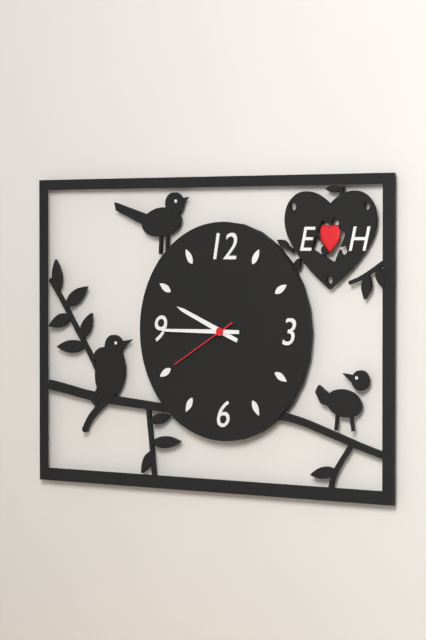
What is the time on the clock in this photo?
9:45:40
